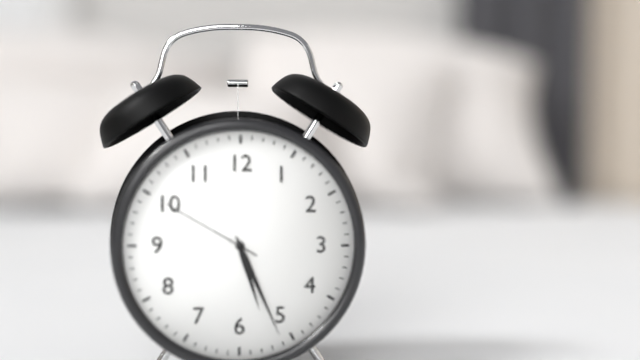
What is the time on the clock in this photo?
5:26:50
